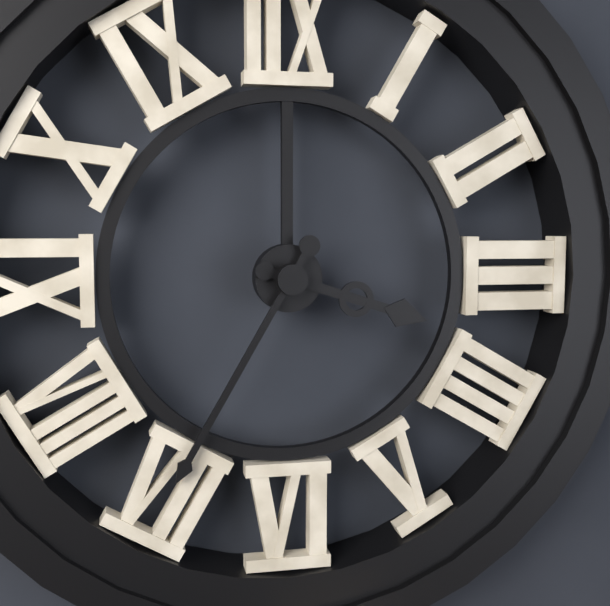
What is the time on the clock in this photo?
3:35
